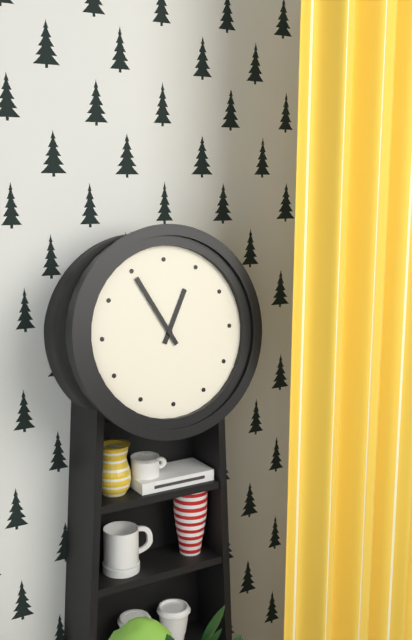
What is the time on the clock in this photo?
12:55
